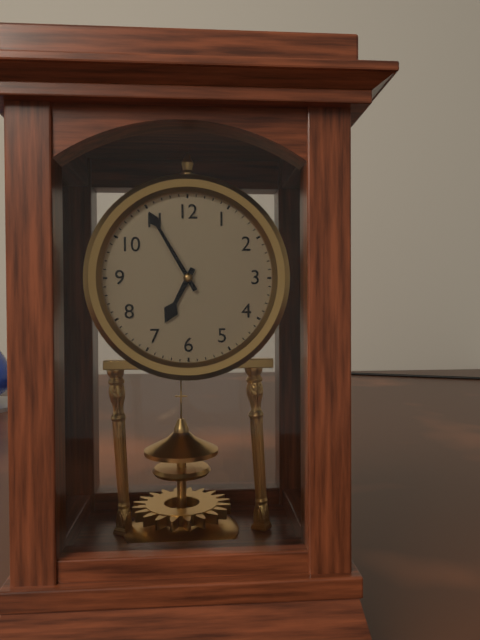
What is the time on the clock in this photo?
6:55
